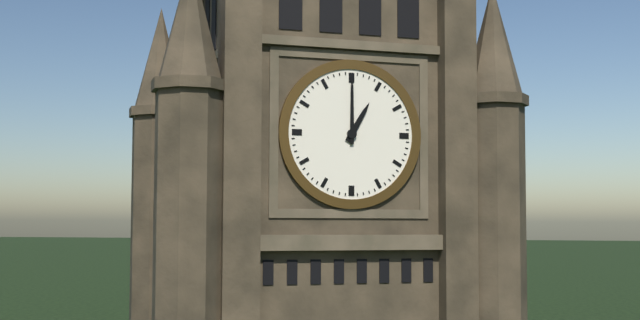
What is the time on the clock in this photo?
1:00
